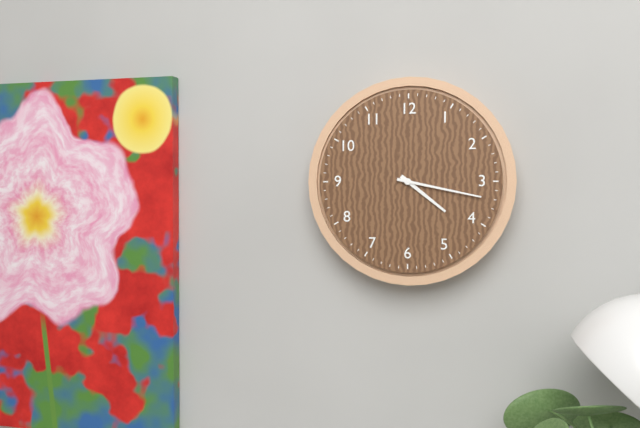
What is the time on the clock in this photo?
4:17
